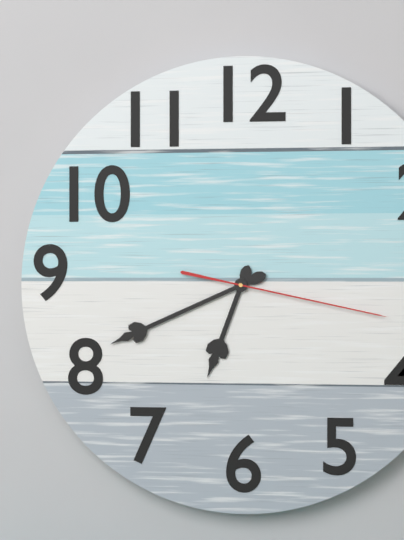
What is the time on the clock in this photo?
6:41:17
